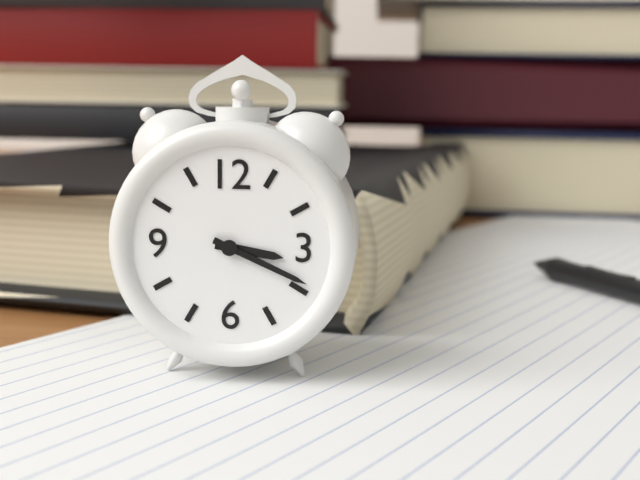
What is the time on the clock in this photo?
3:19
